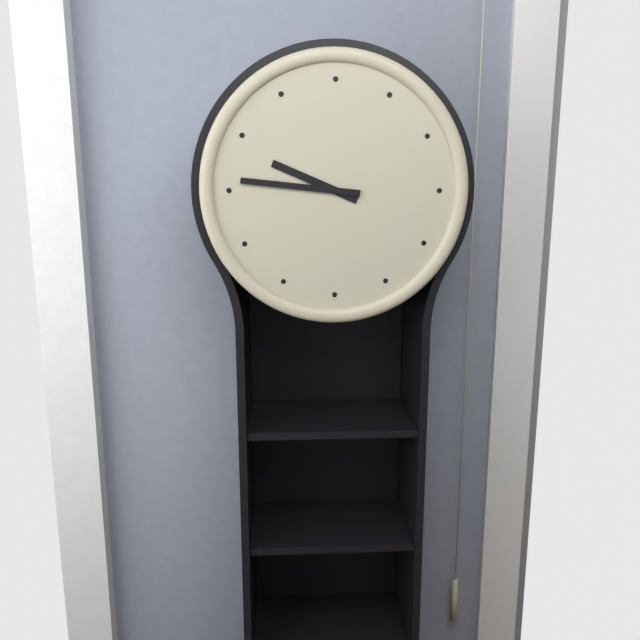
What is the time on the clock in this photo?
9:46
